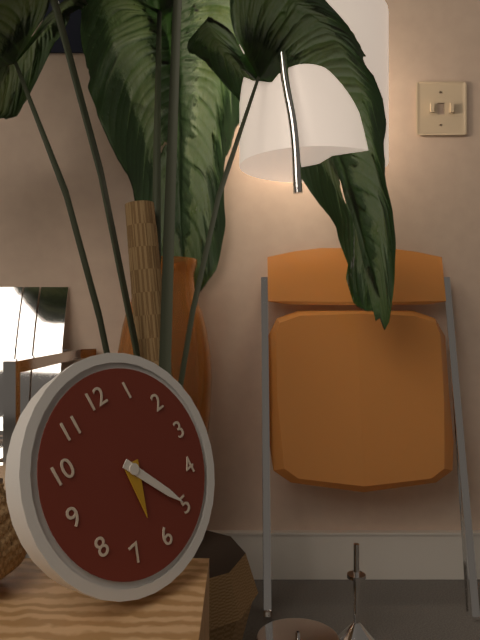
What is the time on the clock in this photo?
6:25
